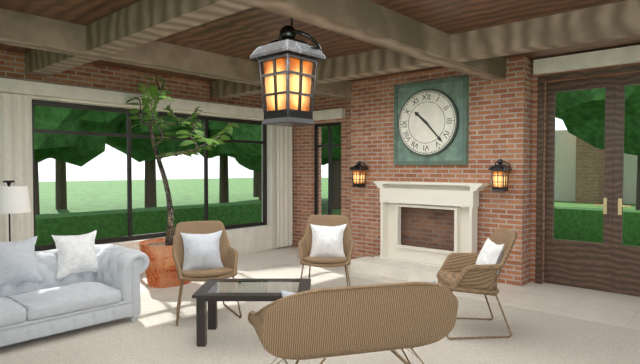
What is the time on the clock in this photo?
10:23
